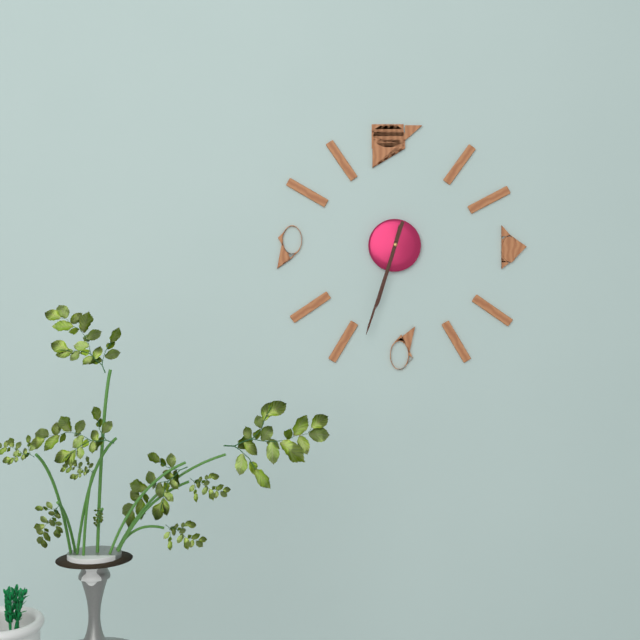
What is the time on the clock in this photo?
6:33
